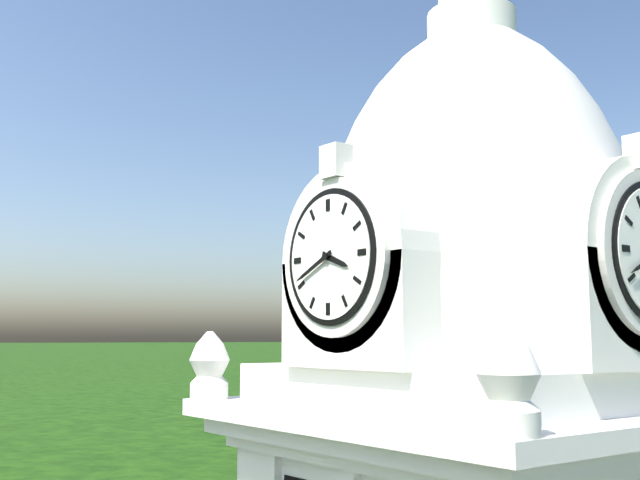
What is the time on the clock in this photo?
3:41
